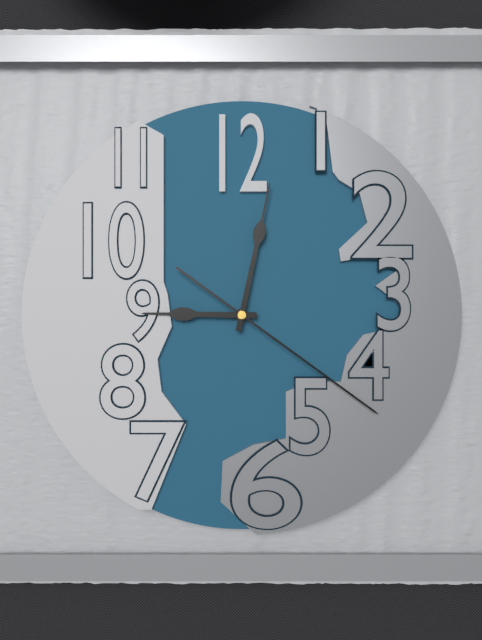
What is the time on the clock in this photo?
9:02:21
